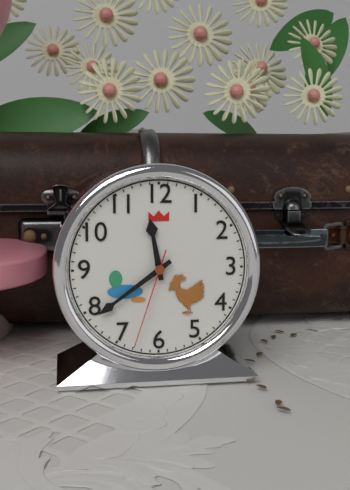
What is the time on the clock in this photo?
11:39:33
